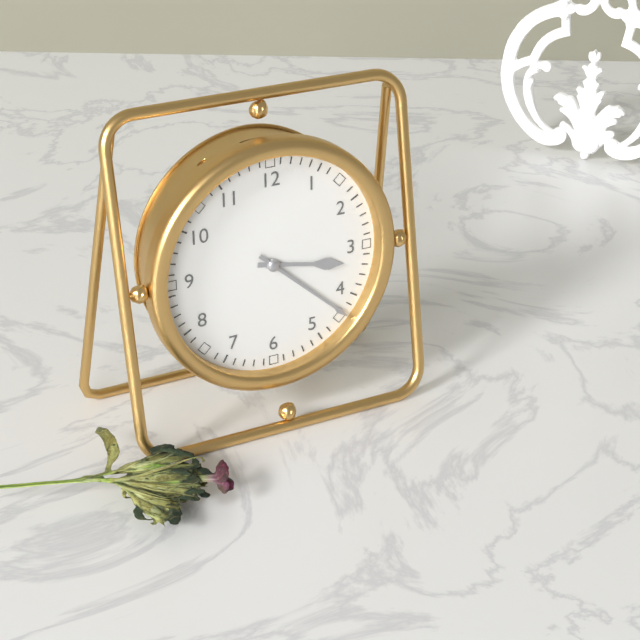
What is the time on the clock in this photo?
3:22
